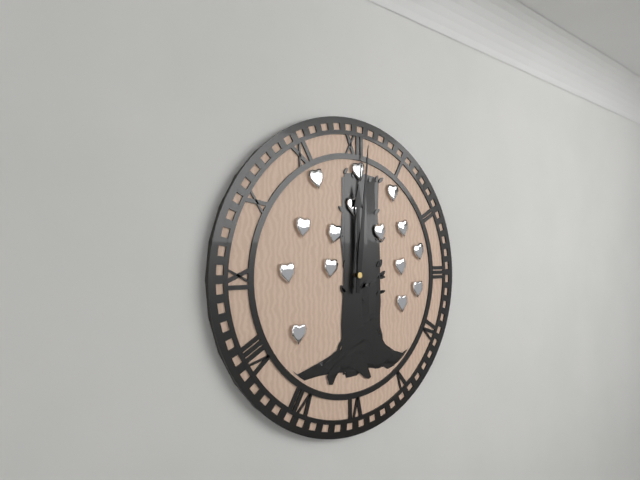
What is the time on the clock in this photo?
12:01
